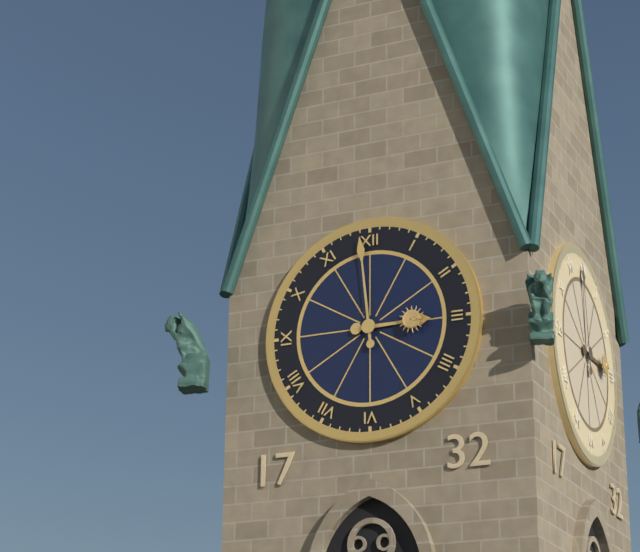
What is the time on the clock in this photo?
2:59
